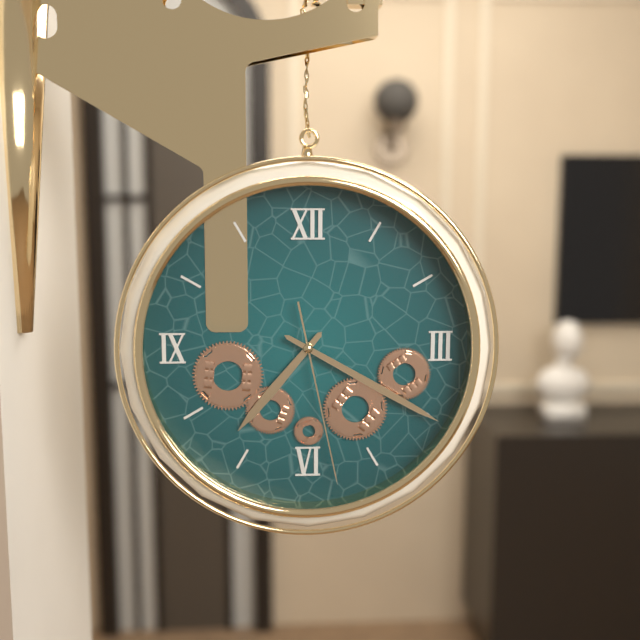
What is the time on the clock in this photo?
7:20:28
